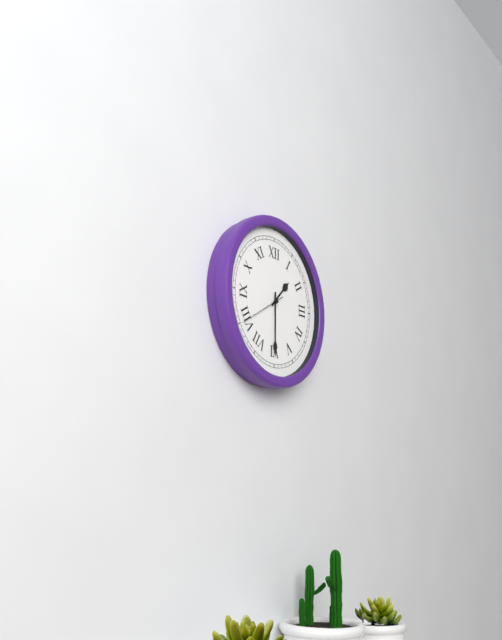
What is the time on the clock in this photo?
1:30
